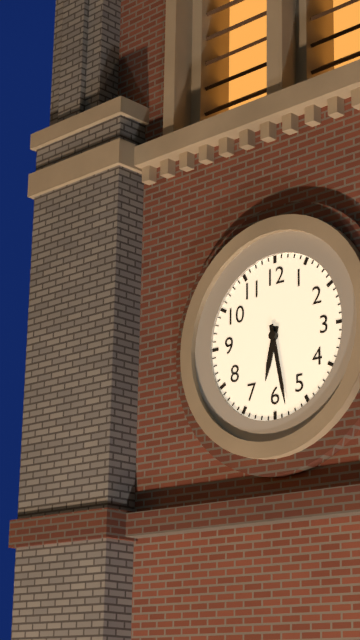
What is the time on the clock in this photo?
6:28
